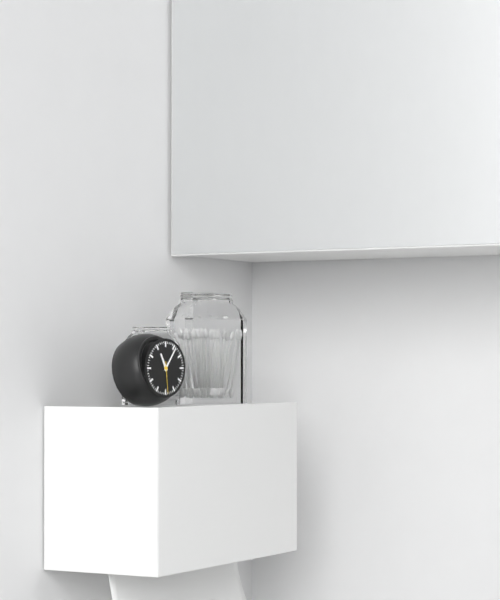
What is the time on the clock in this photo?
11:06
